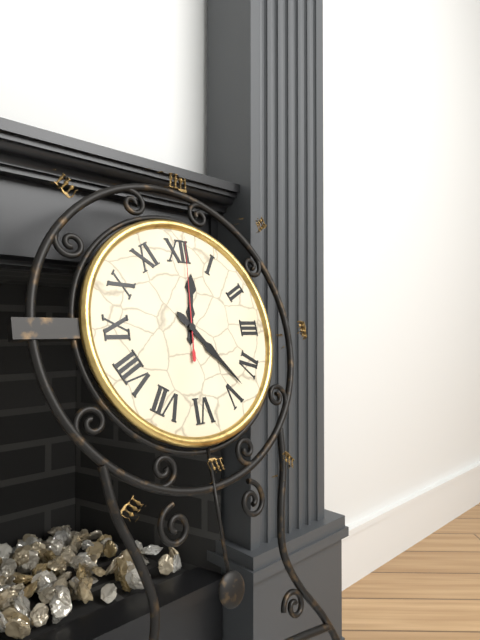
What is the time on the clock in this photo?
12:23:01
